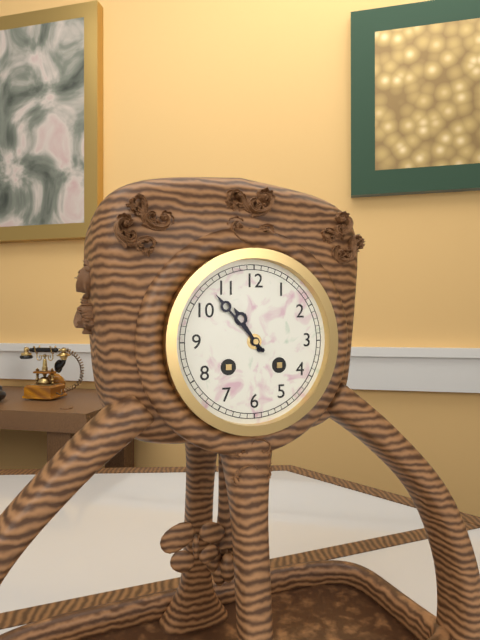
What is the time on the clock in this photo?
10:53
